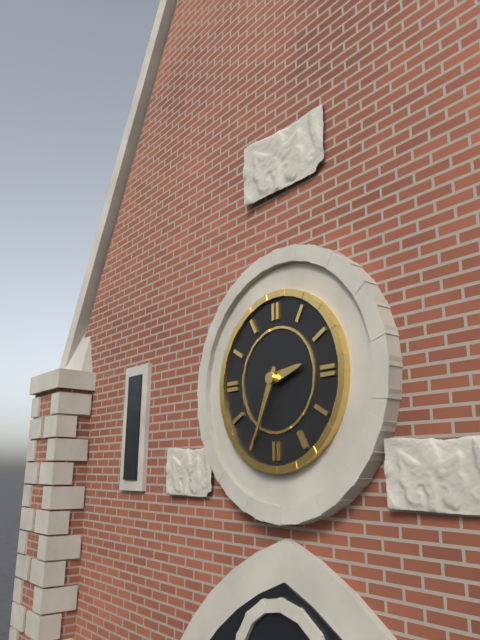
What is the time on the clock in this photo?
2:34
